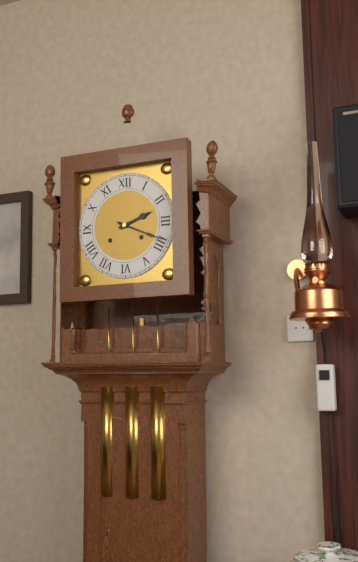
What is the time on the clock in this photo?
2:19
